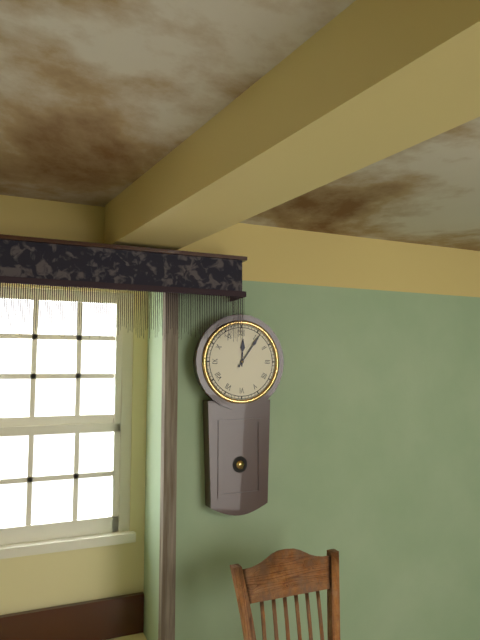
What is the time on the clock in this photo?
12:06
